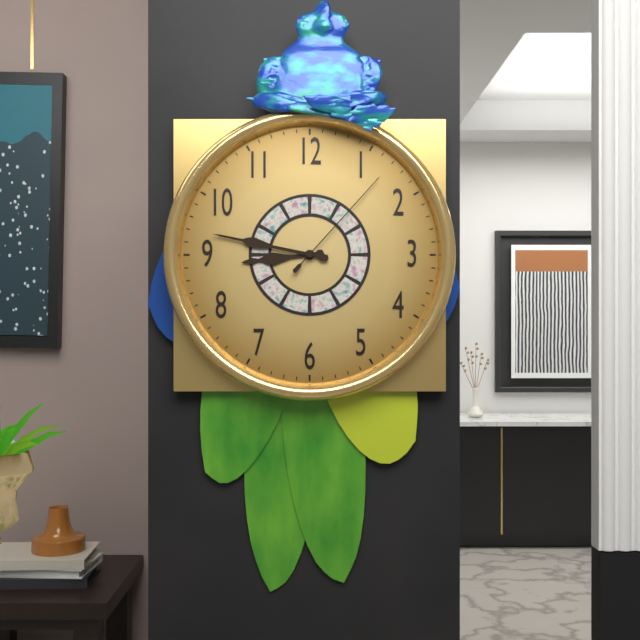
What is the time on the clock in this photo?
8:47:07
